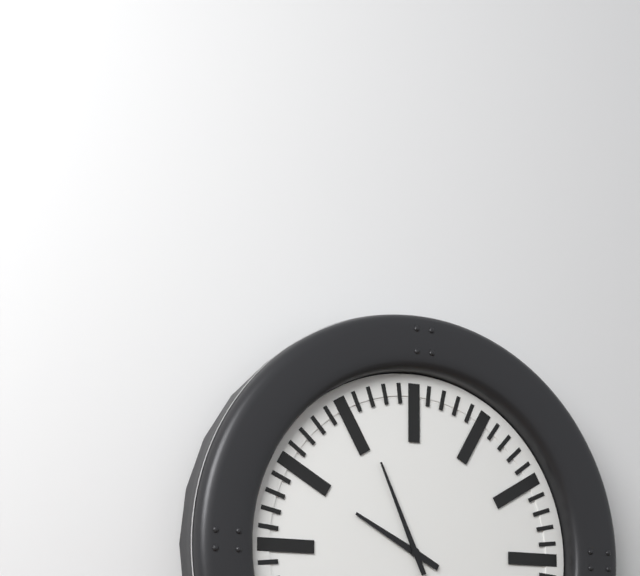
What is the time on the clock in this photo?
9:56
